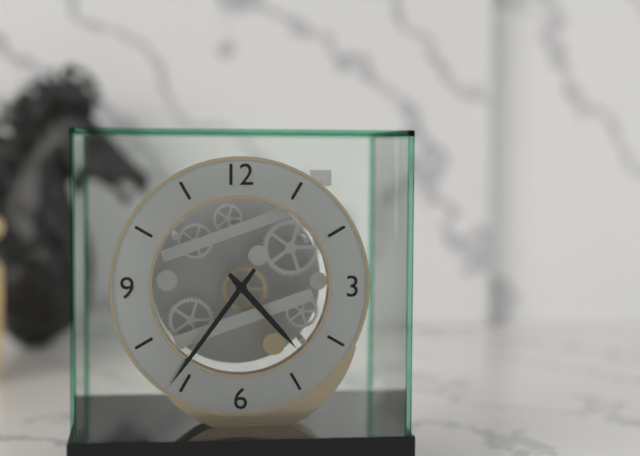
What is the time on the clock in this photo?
4:36
